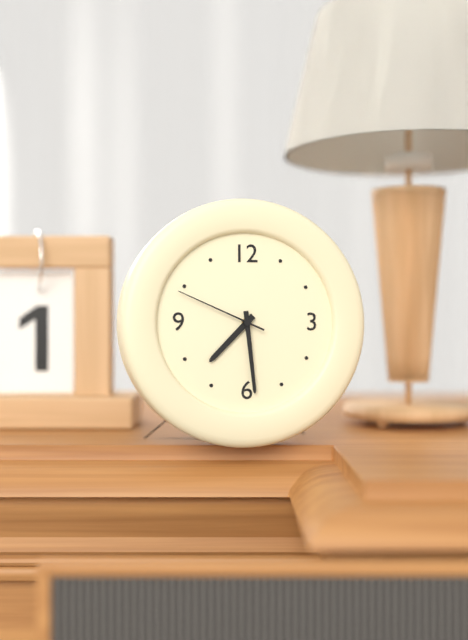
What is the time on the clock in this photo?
7:29:49
